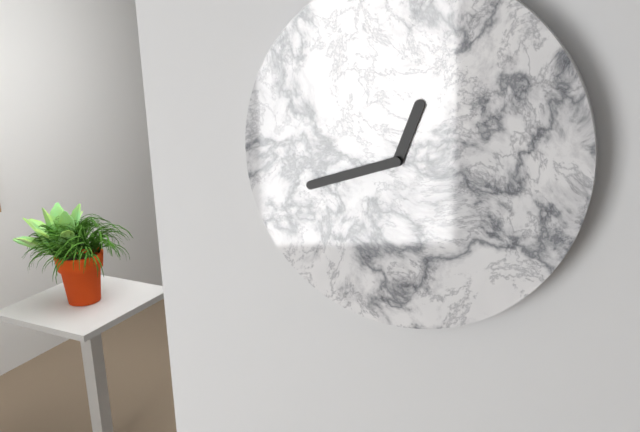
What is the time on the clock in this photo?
12:42
